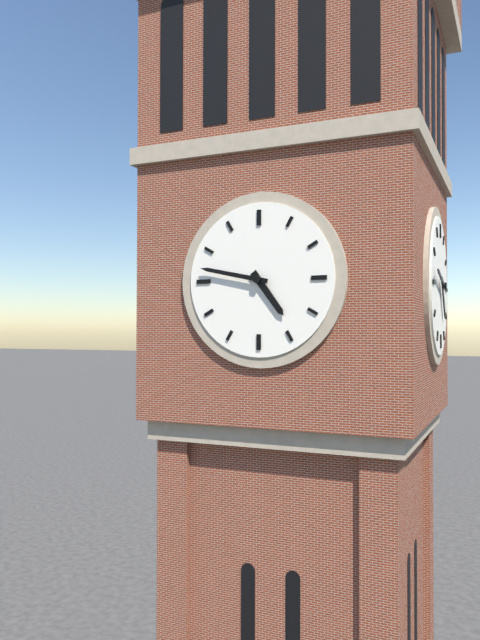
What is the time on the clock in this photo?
4:47
